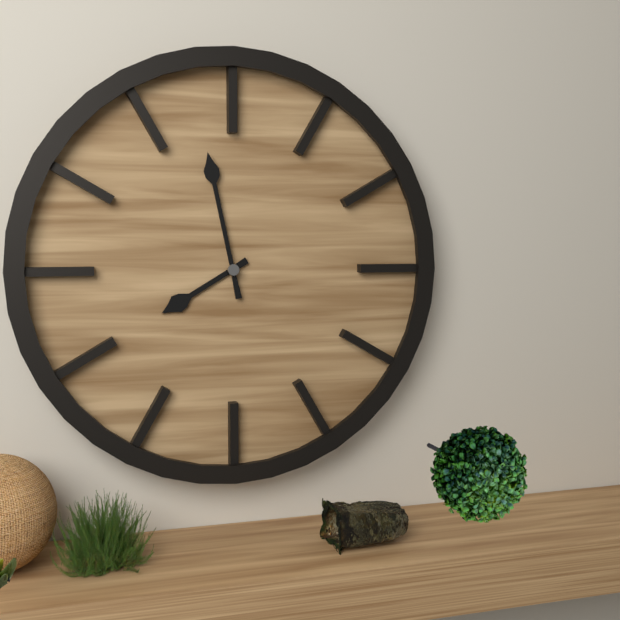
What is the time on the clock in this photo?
7:58
